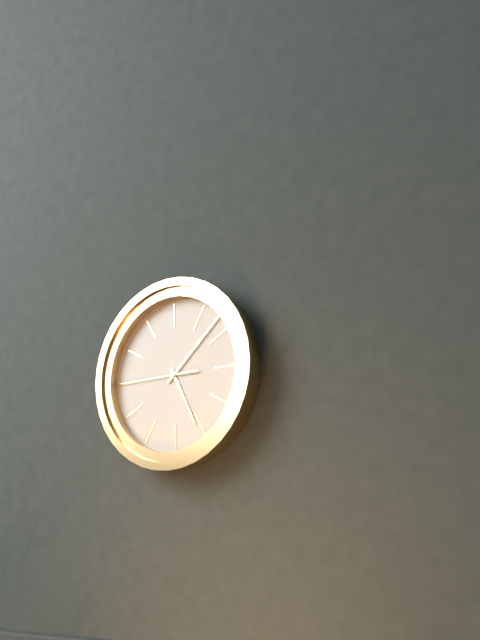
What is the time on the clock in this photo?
5:08:45
